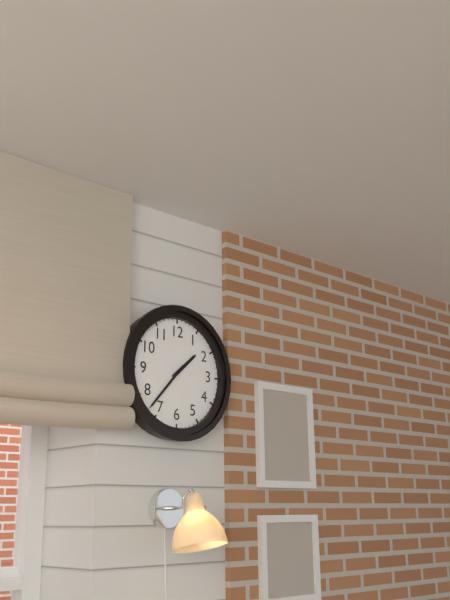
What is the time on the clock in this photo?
1:37
